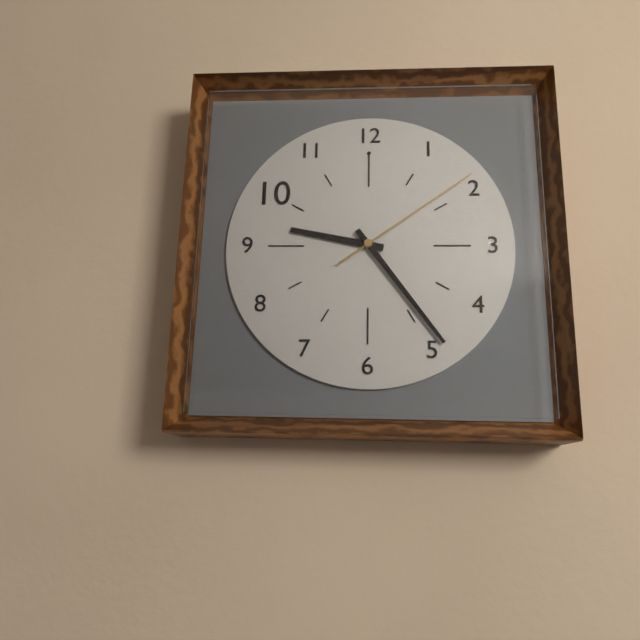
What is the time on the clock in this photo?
9:24:09
